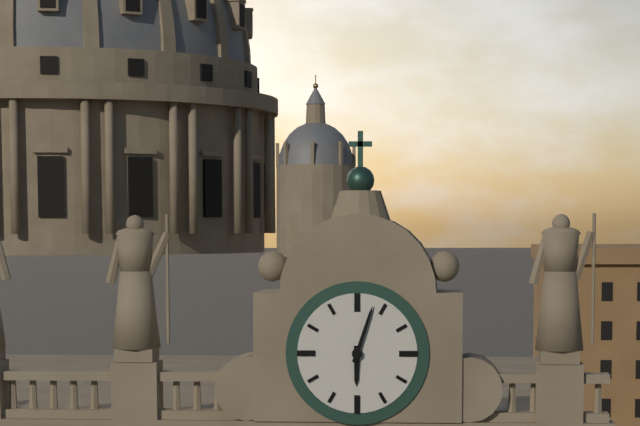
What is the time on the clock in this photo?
6:03
